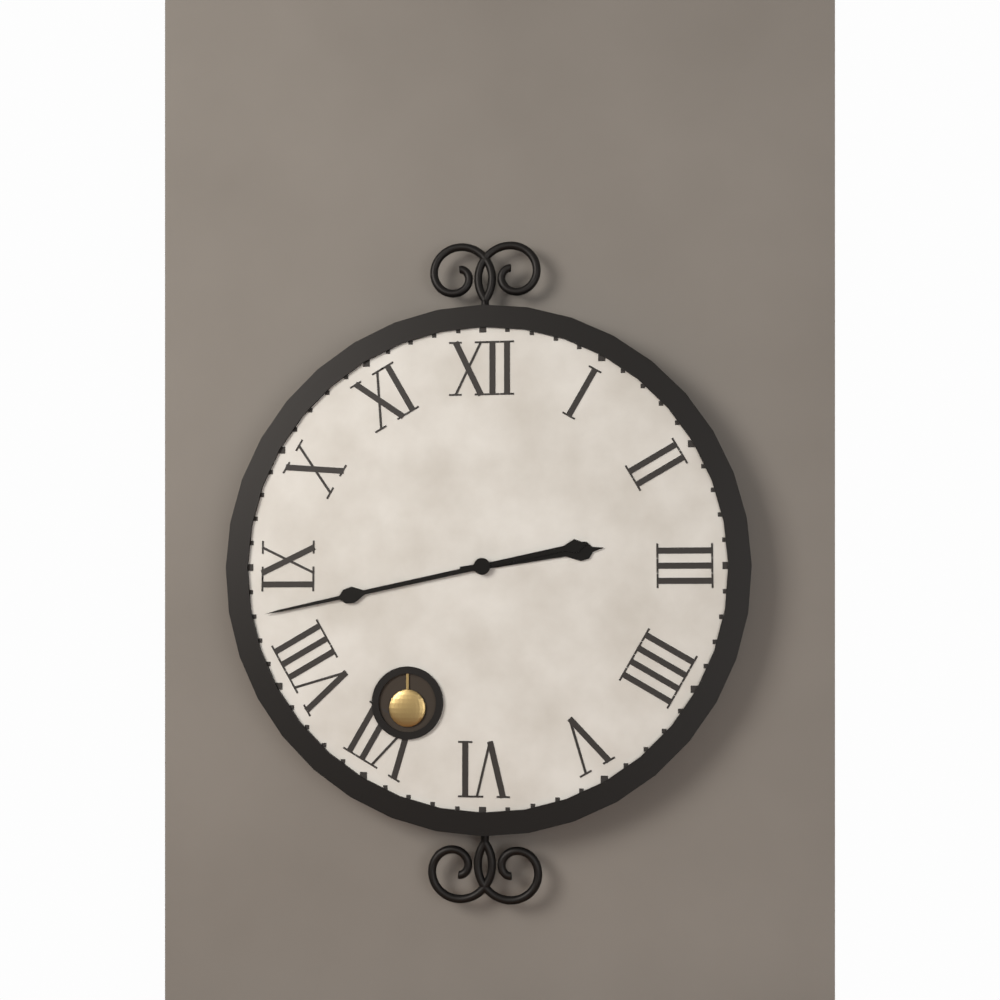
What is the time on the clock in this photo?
2:43
